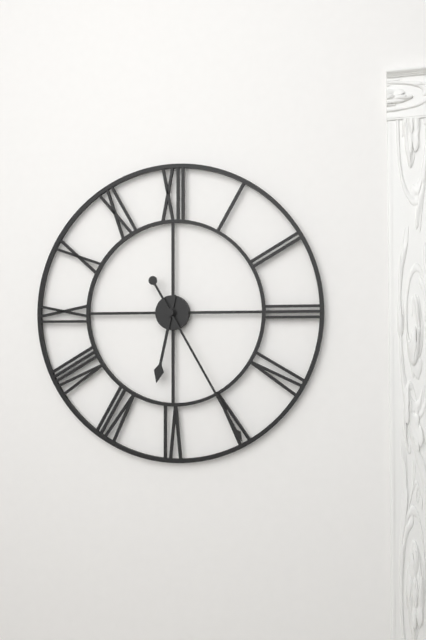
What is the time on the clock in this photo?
6:25
